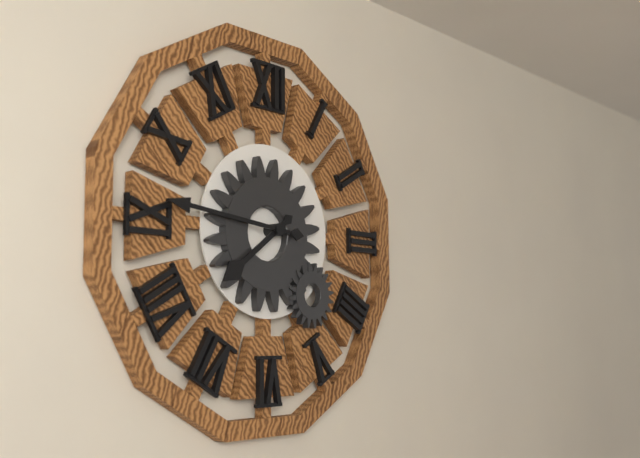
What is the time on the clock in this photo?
7:46
